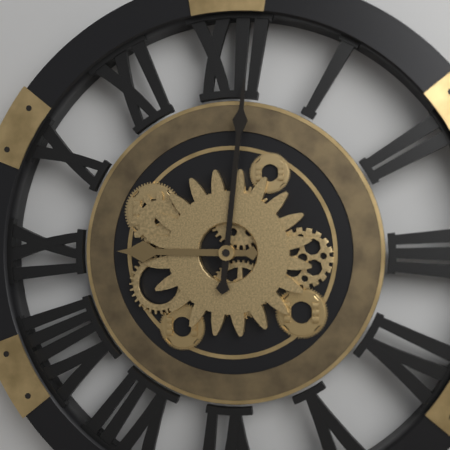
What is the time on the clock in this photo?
9:01
